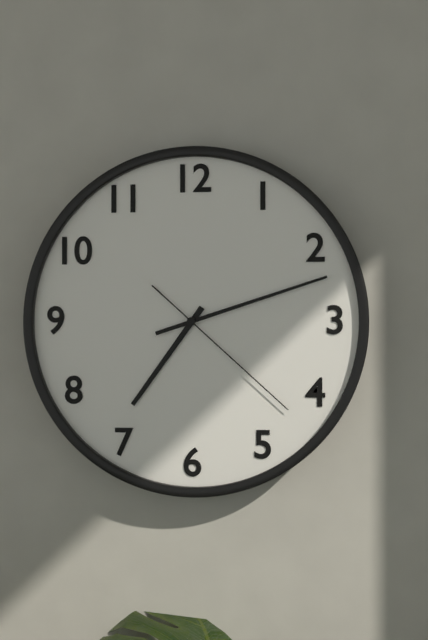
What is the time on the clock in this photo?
7:12:22
